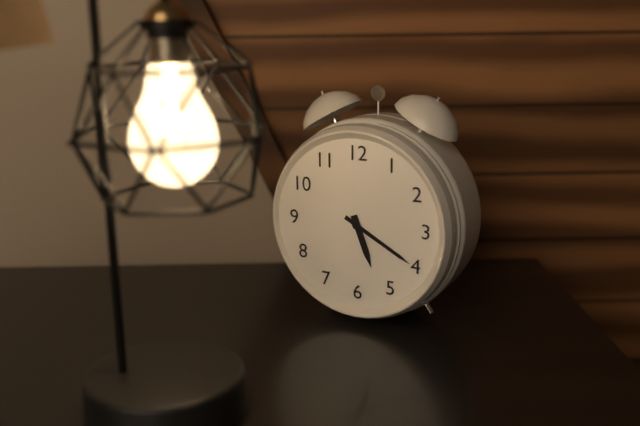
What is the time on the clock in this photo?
5:20
